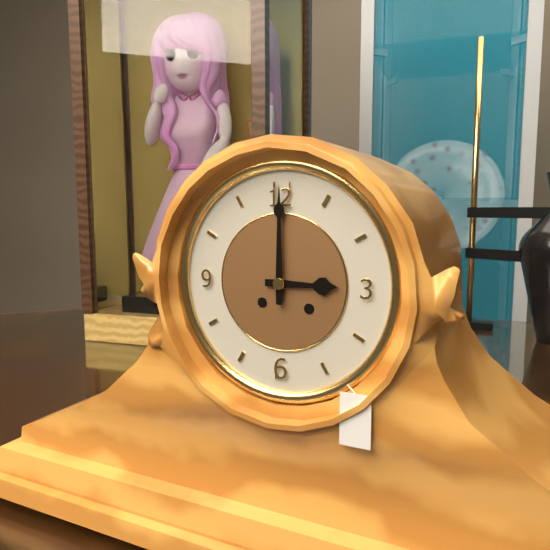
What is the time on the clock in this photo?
3:00
